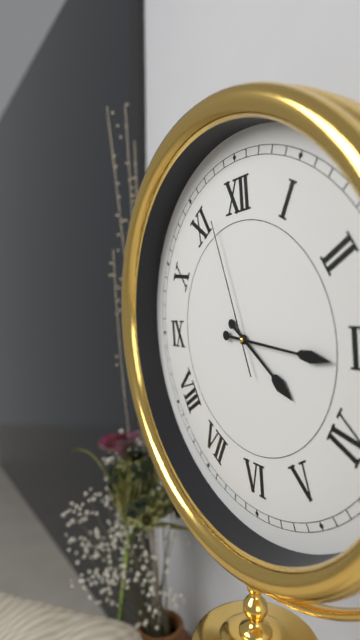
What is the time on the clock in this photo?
4:16:57
